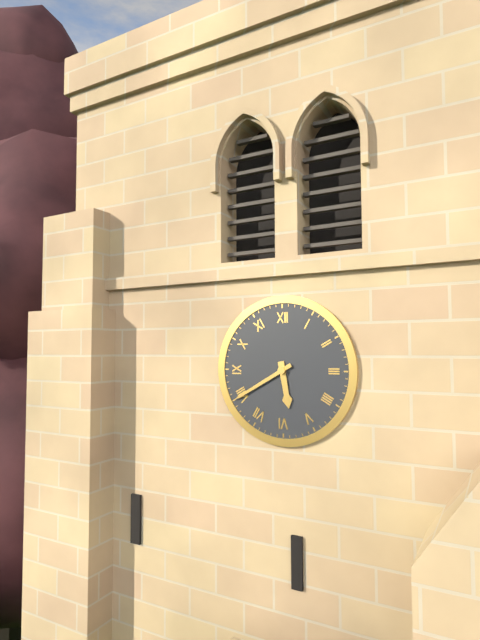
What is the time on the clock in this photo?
5:40
